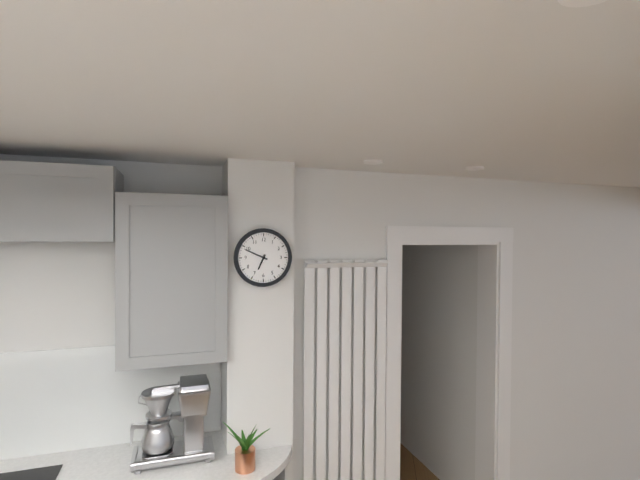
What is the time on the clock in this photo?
6:49
